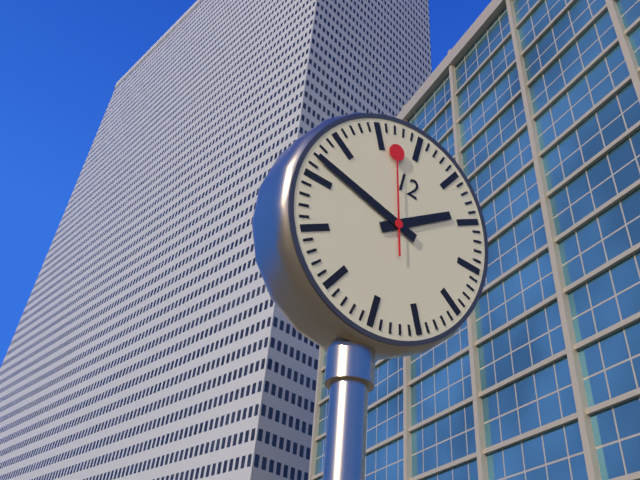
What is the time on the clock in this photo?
1:47:57
